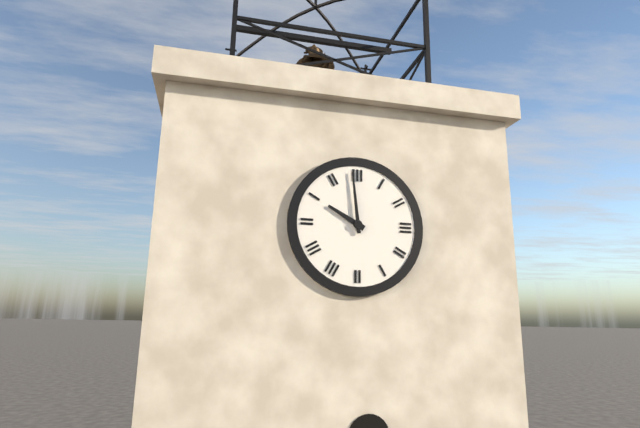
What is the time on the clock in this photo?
9:59
